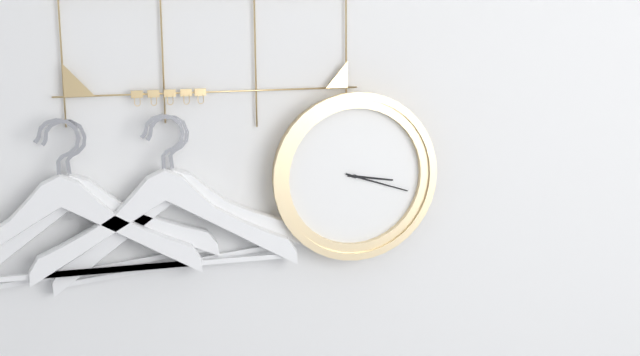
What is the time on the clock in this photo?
3:18
